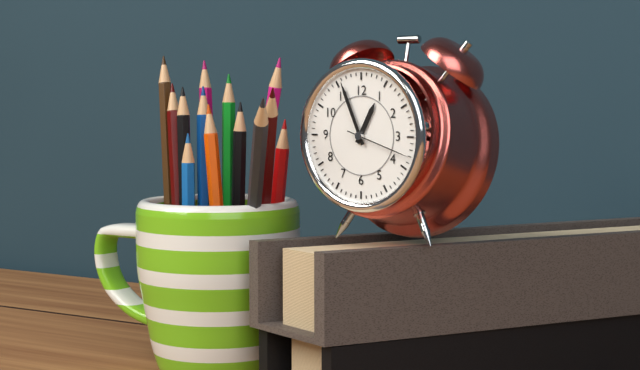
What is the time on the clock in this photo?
12:56:18
